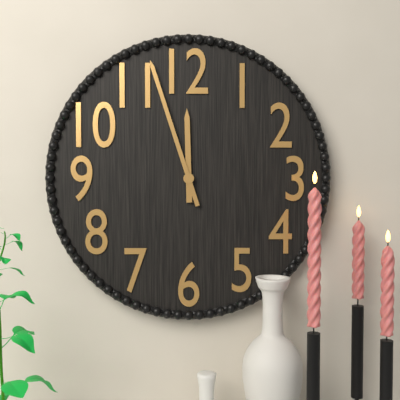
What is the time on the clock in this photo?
11:57
